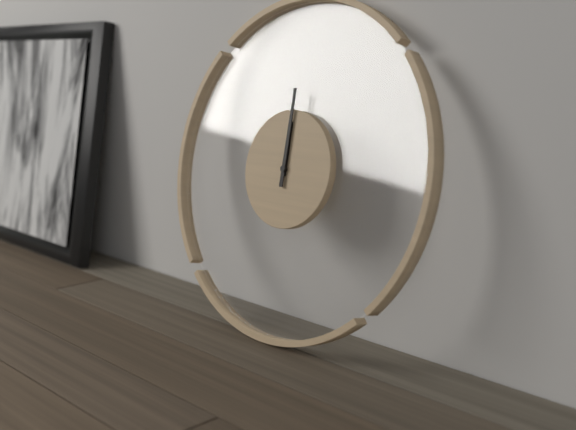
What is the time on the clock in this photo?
12:00
